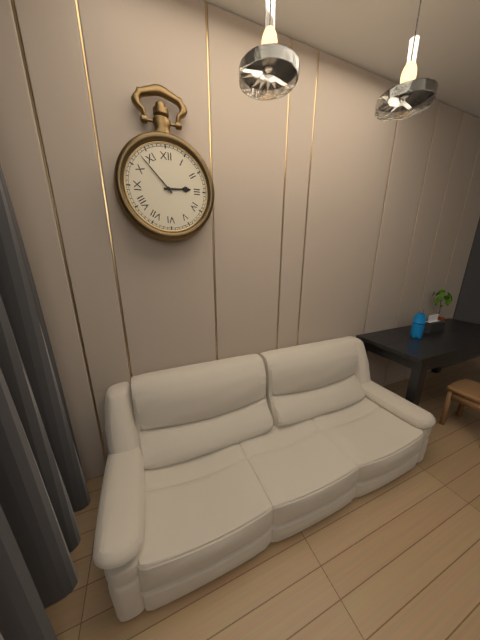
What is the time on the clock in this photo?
2:53
